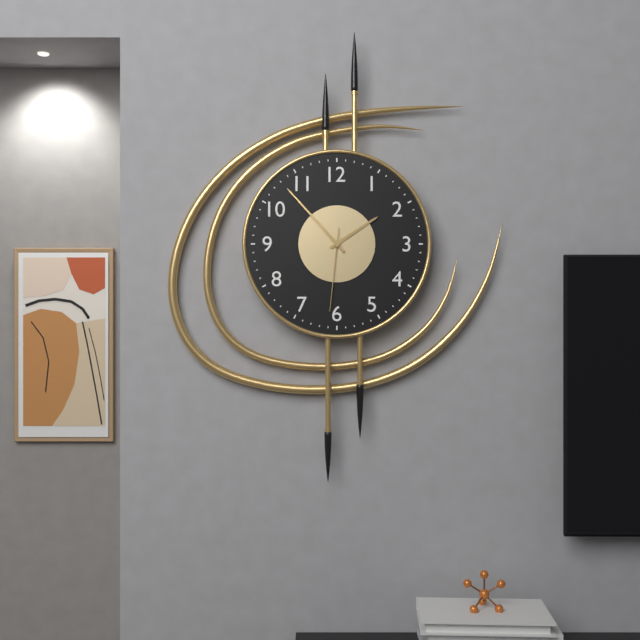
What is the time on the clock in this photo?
1:53:31
